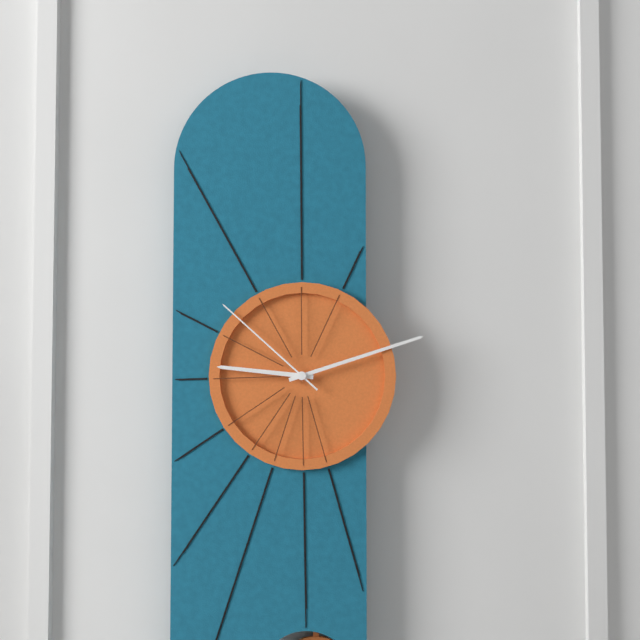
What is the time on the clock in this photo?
9:12:52
